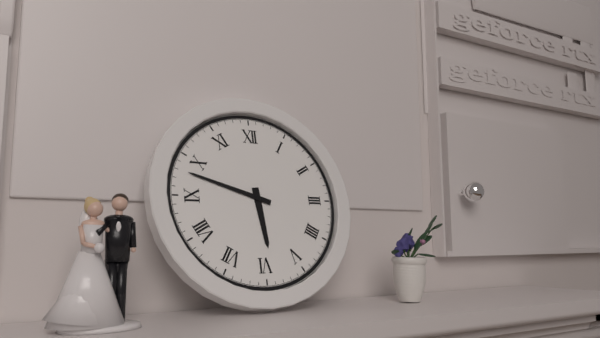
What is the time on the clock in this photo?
5:48
